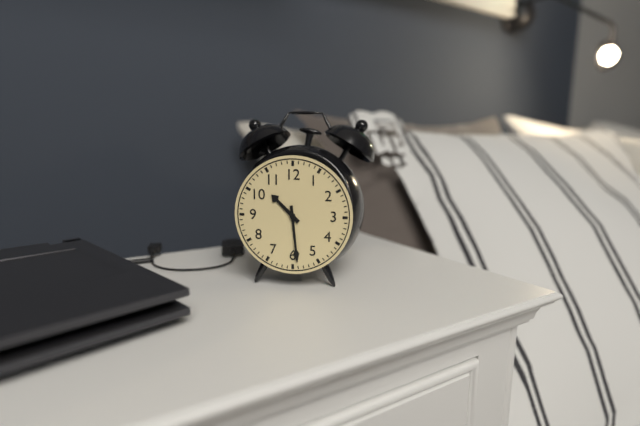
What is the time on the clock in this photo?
10:29
